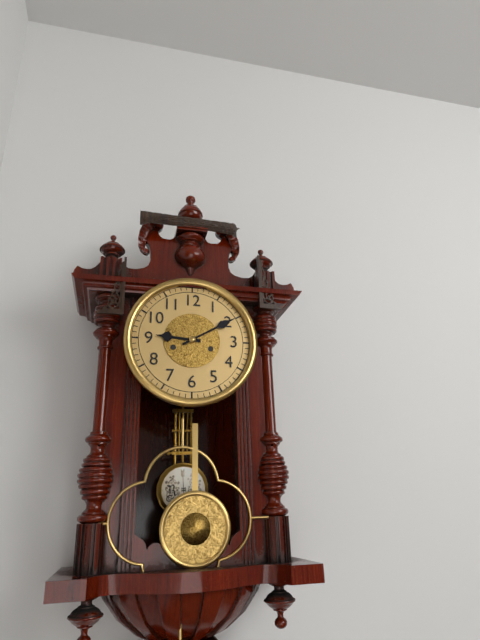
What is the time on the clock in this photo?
9:10
